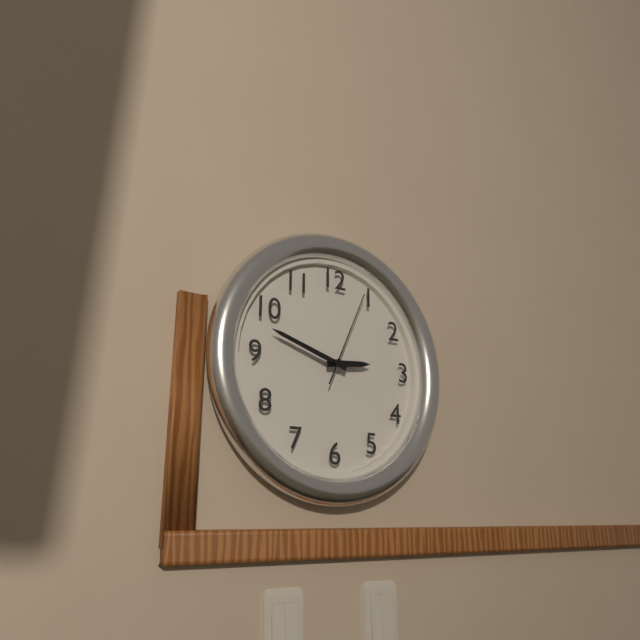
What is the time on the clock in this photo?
2:48:04
